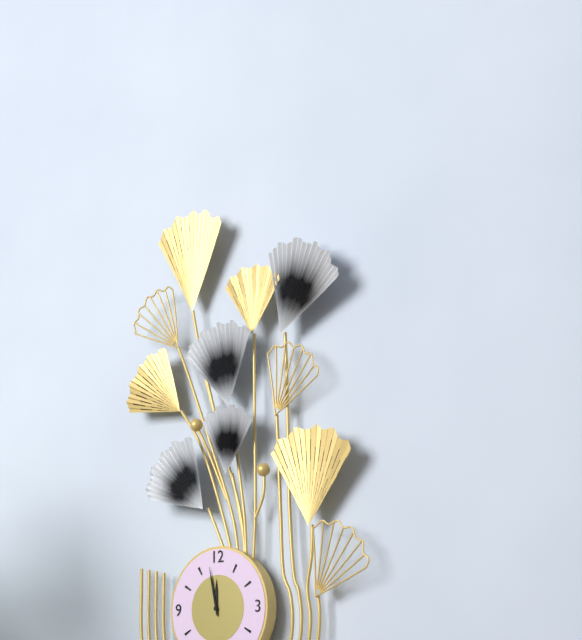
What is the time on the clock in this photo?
11:58
